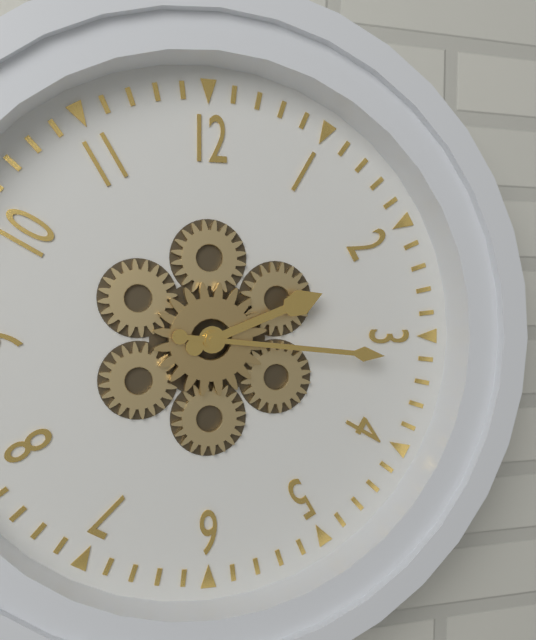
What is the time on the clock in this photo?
2:16
